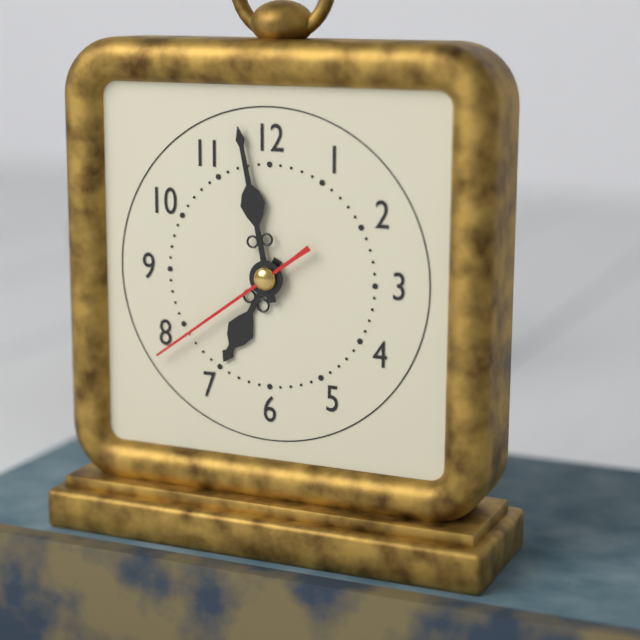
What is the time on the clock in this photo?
6:58:39
